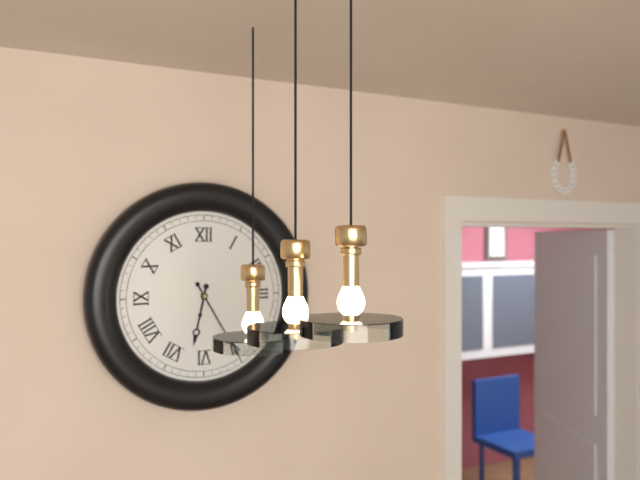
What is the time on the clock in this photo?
6:25
